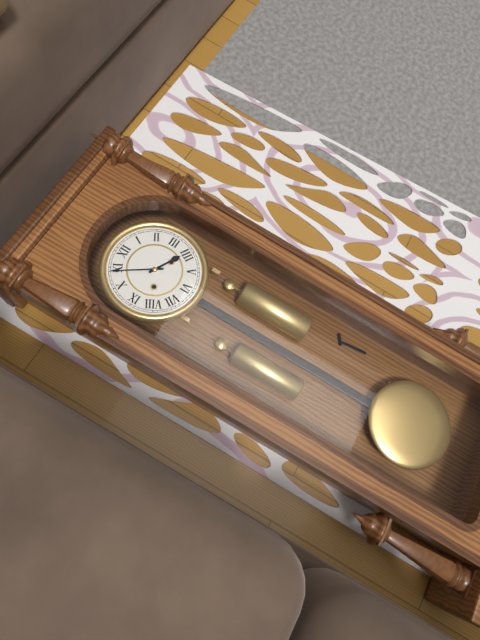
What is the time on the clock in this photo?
3:54
